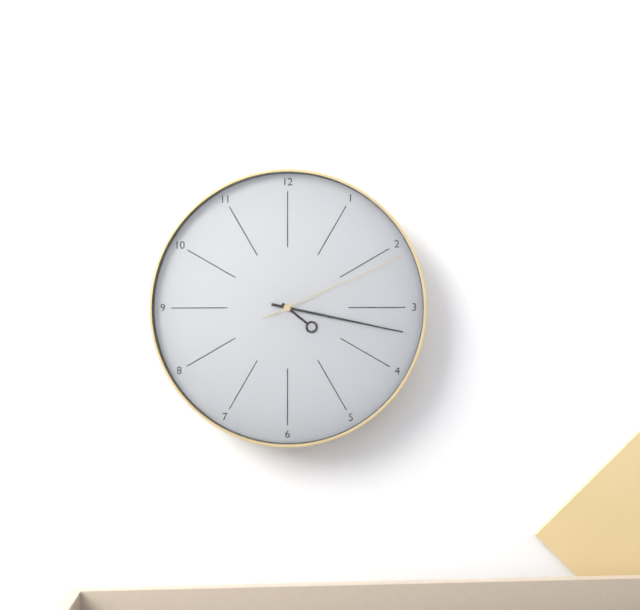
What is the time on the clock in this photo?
4:17:11
